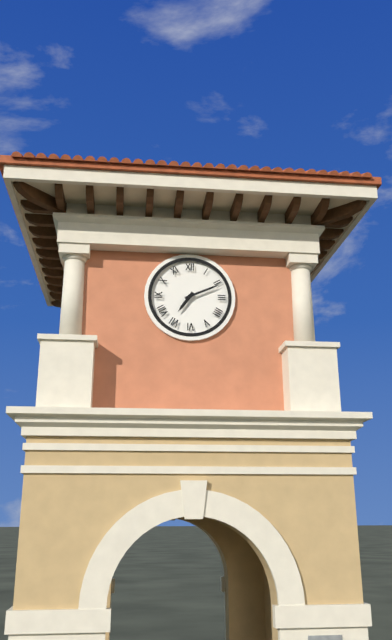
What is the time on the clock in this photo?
7:11
